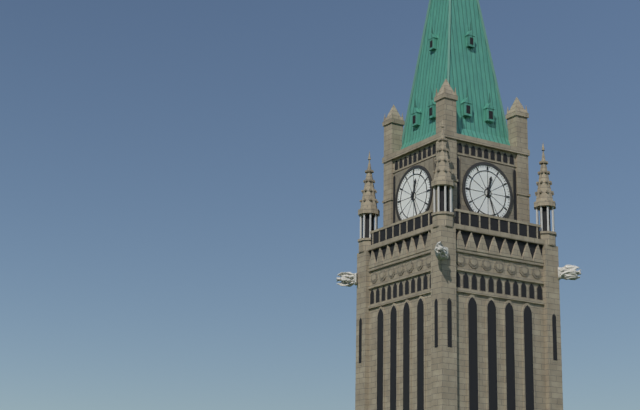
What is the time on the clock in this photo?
12:27
